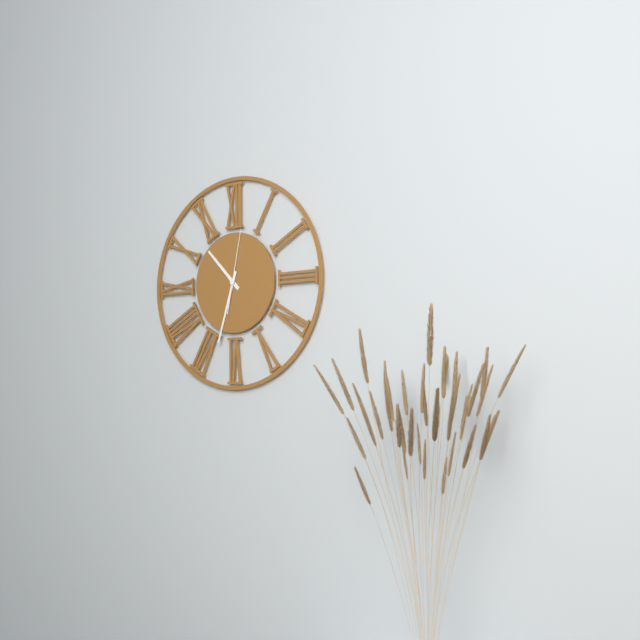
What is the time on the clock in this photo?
10:33:02
